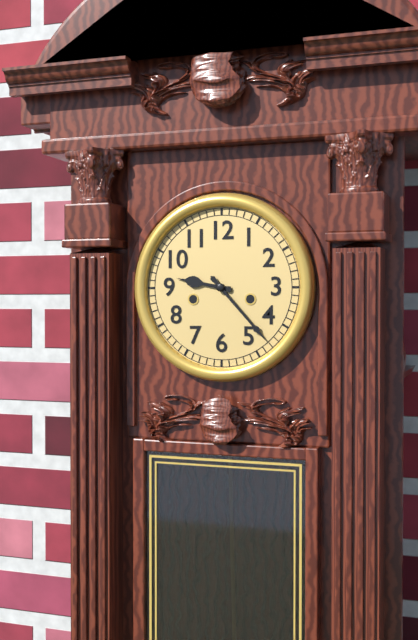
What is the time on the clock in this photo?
9:23
